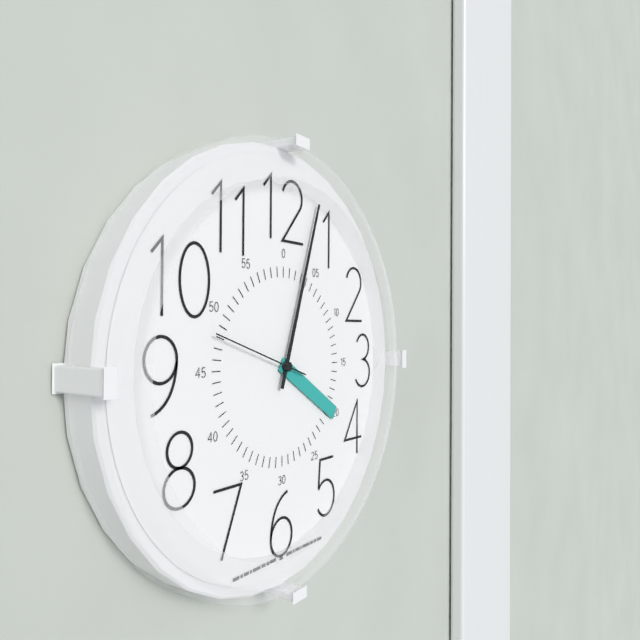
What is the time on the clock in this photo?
4:03:48
